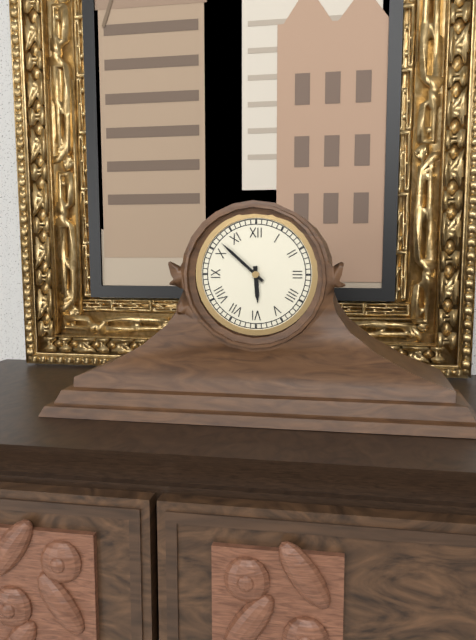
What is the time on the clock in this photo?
5:52
